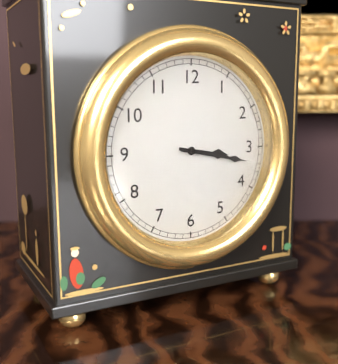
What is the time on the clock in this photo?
3:17
